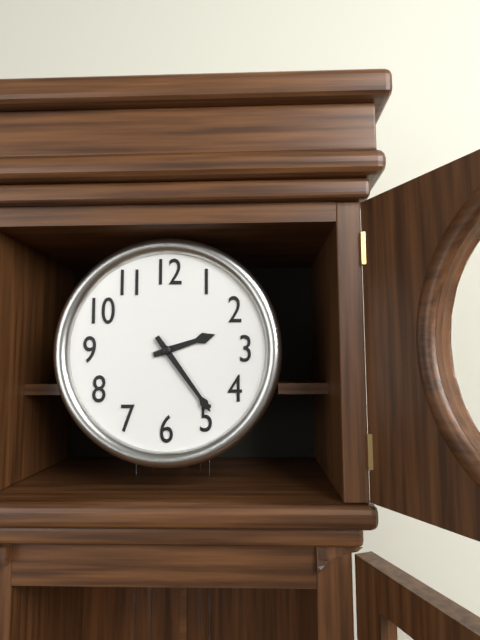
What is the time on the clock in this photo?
2:24
